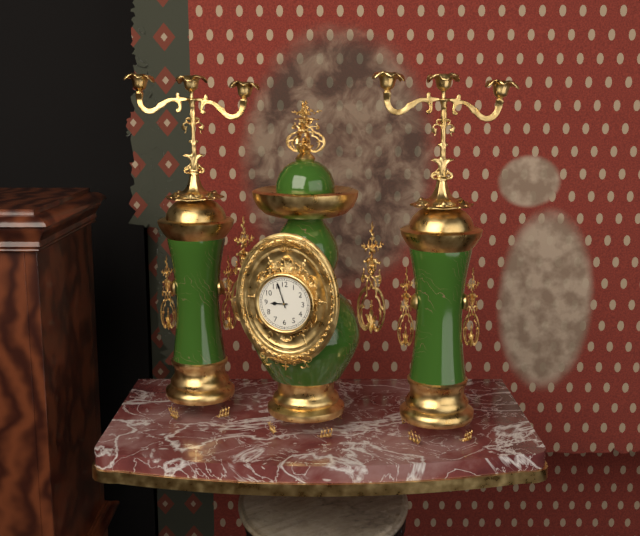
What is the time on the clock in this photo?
8:57
